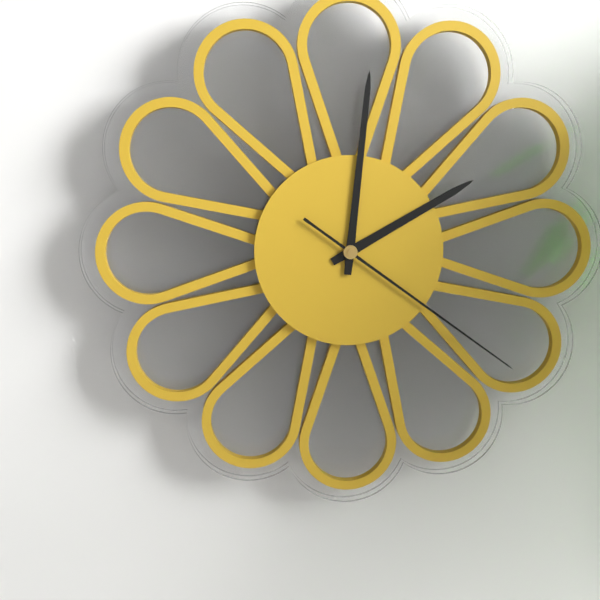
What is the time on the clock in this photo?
2:01:21
